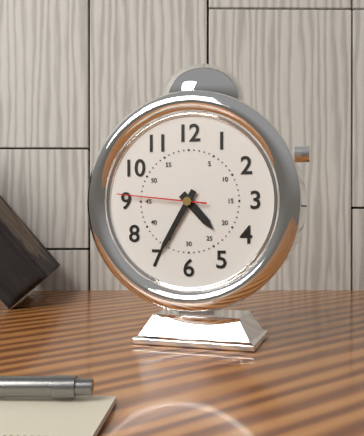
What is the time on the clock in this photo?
4:35:46
